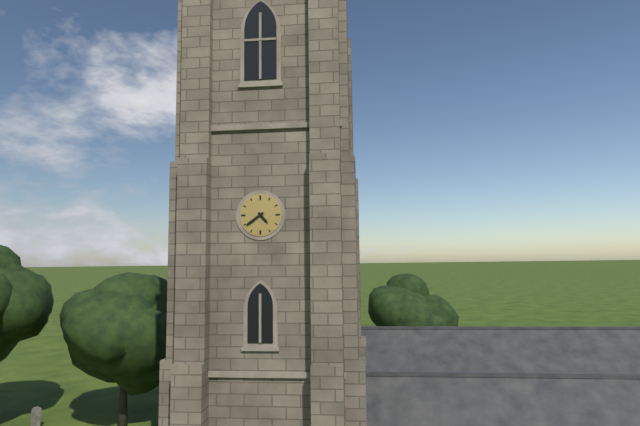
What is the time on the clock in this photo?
4:39
